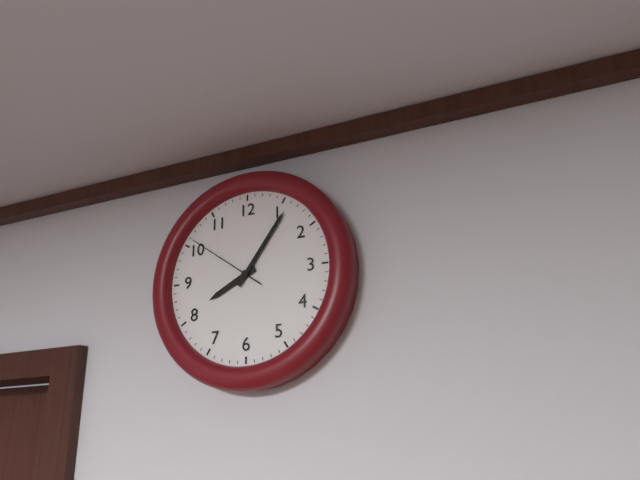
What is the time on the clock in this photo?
8:06:51
